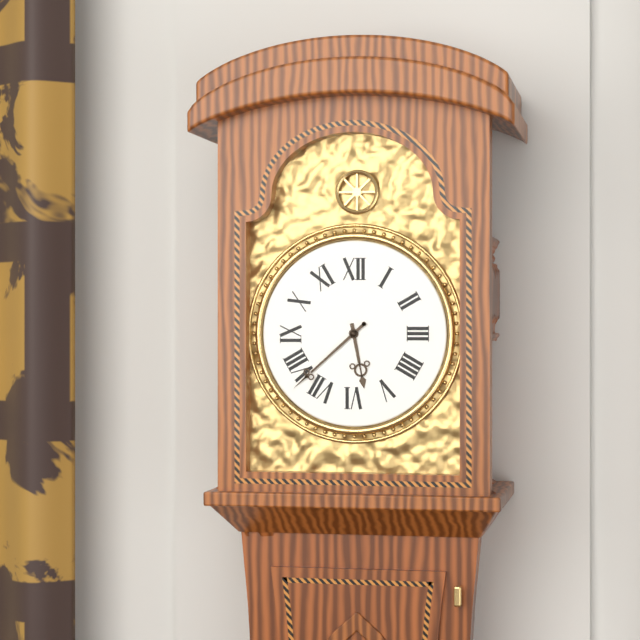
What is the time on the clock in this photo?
5:38
